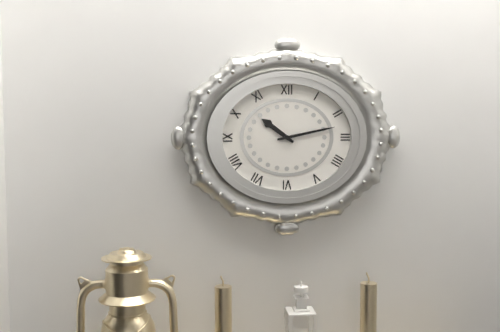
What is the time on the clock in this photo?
10:13
